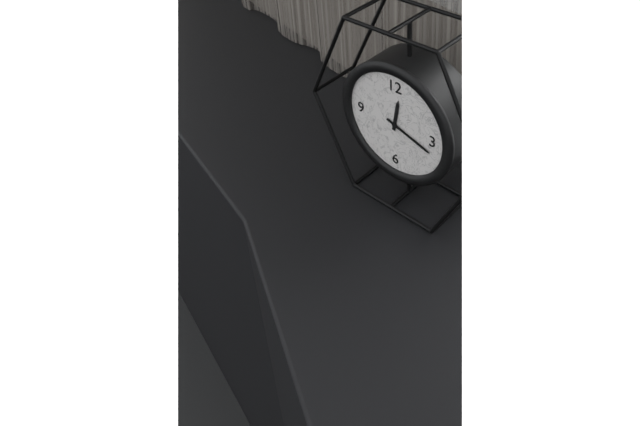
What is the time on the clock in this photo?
12:18
